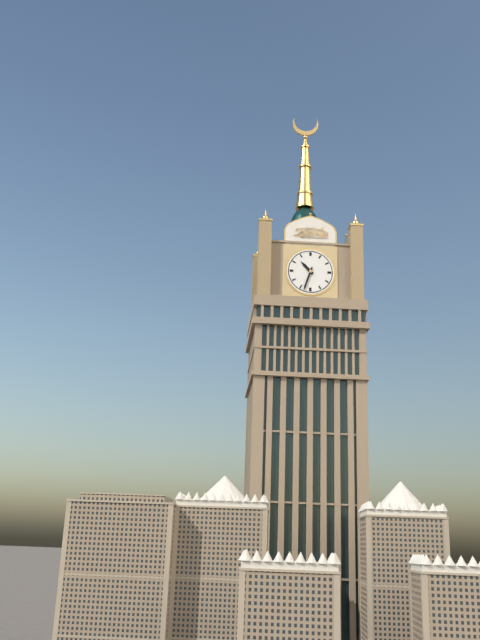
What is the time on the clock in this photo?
10:33
